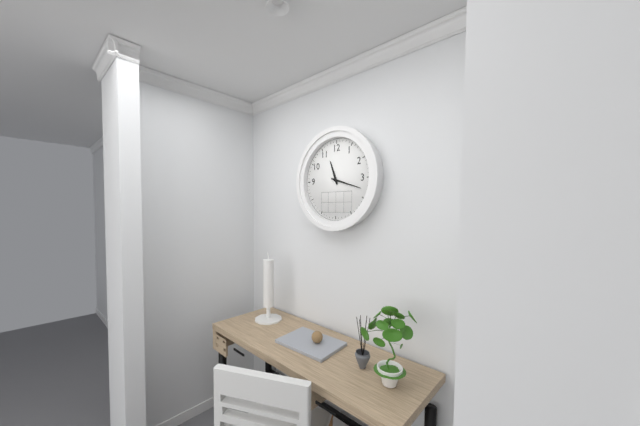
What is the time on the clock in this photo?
11:18
